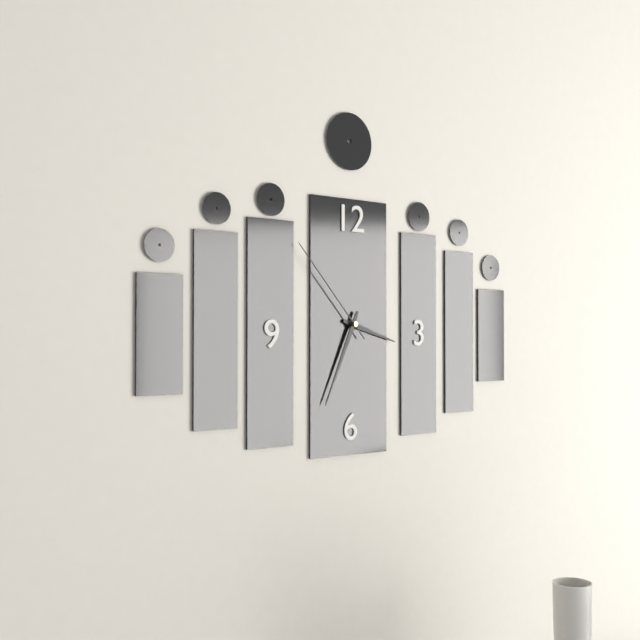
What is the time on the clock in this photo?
3:34:53
